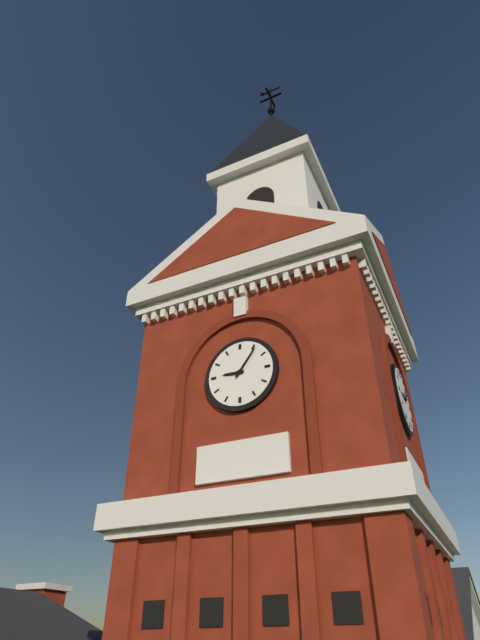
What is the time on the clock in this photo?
9:06
